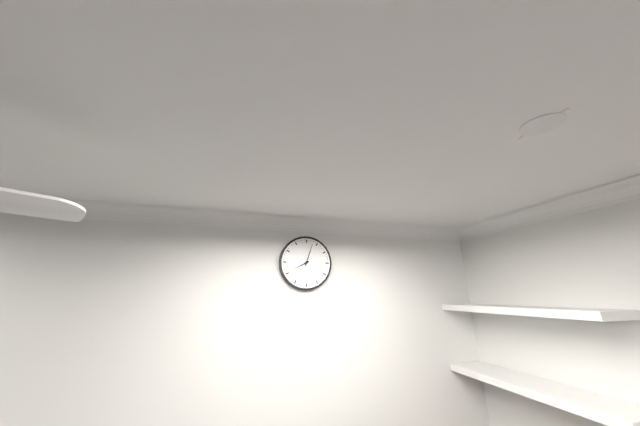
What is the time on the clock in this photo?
8:03
